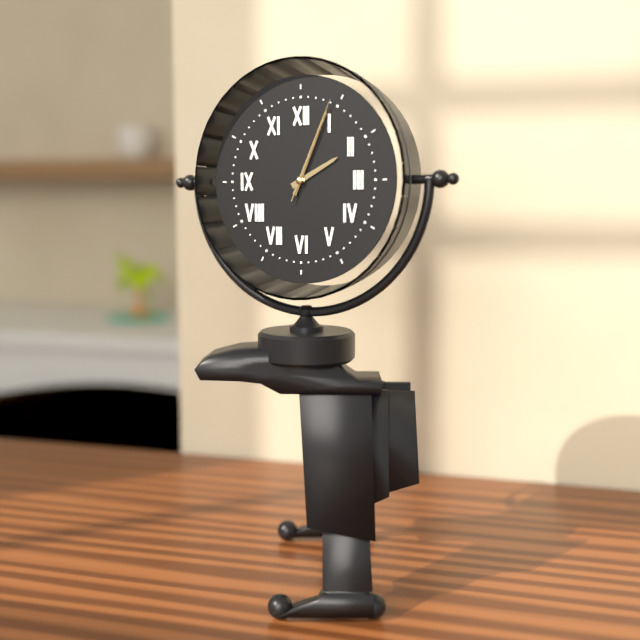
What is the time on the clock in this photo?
2:04:04
